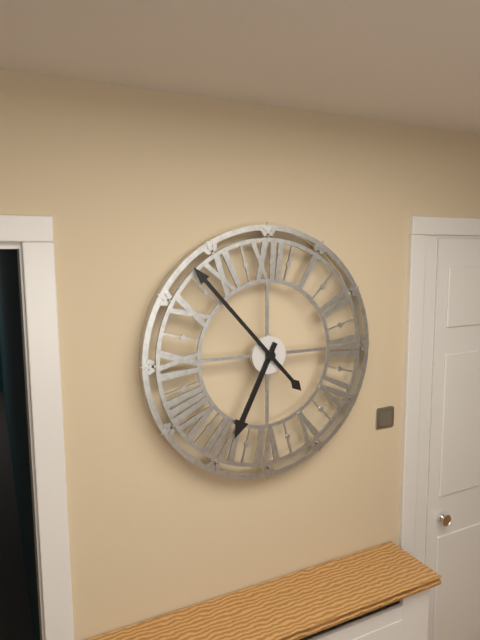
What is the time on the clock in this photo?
6:53
